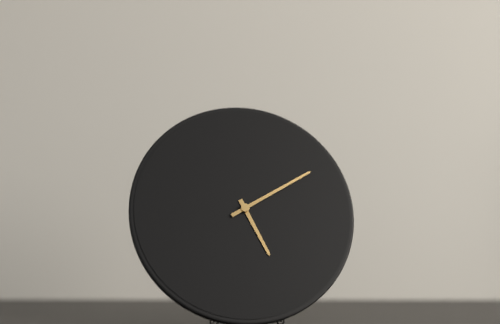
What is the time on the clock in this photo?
5:10
